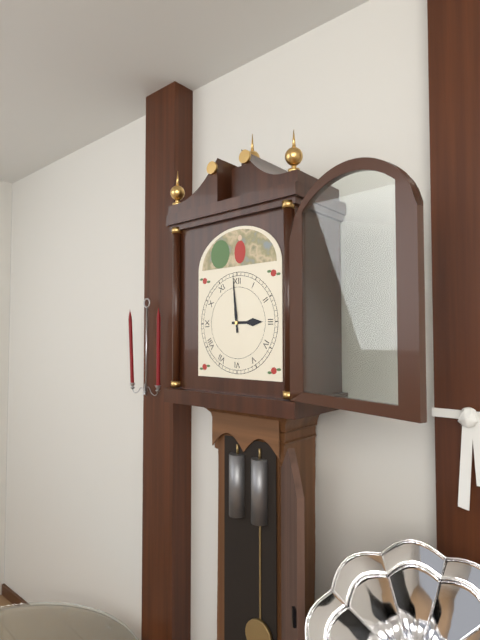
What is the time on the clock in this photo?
2:59
